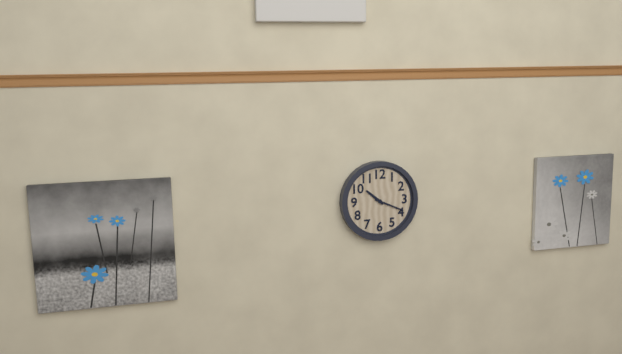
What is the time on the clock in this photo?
10:19
